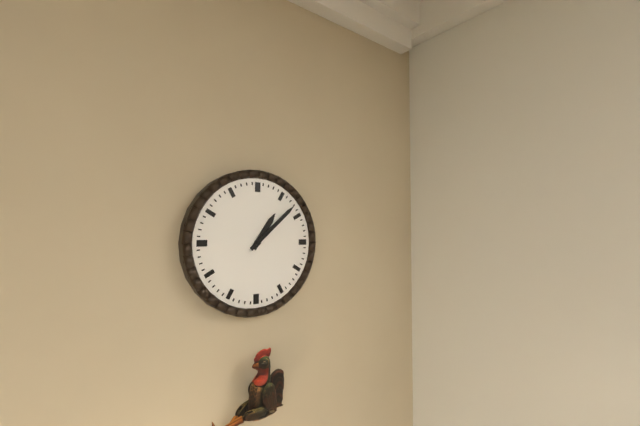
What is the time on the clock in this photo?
1:08
